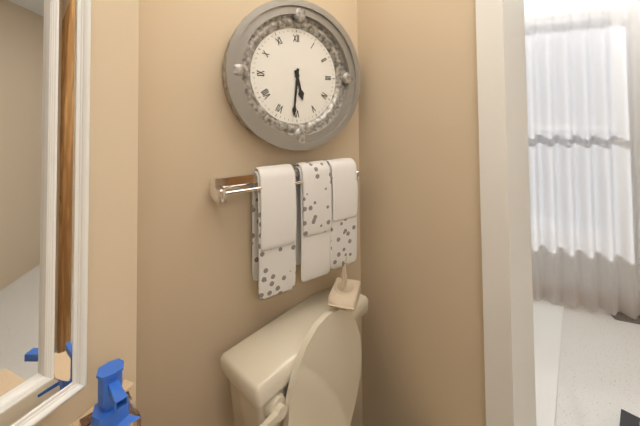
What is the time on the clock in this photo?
5:31
